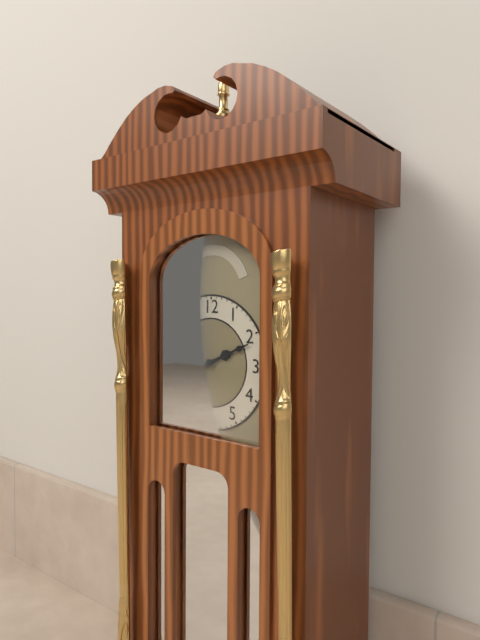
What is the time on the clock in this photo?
2:11
